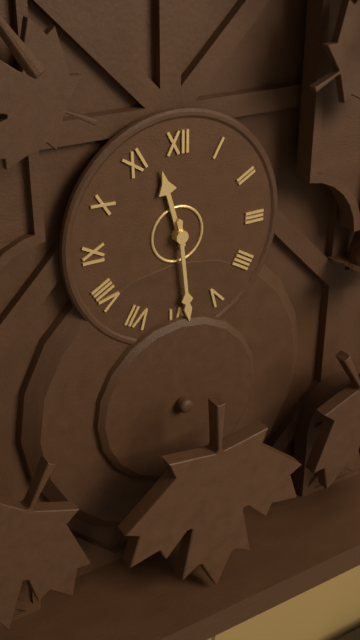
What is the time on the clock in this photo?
11:29
